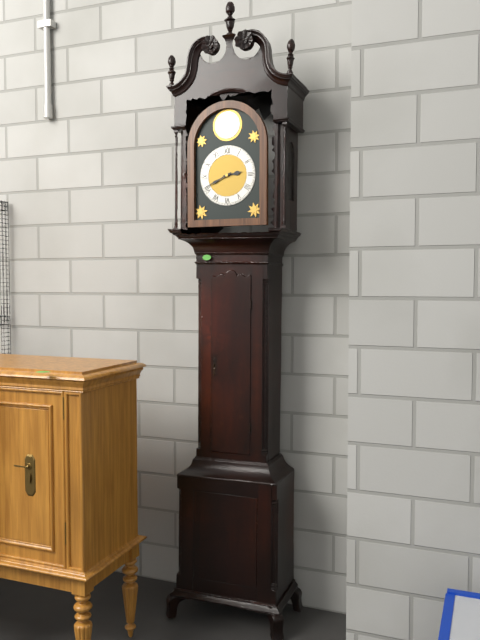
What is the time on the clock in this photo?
2:41
